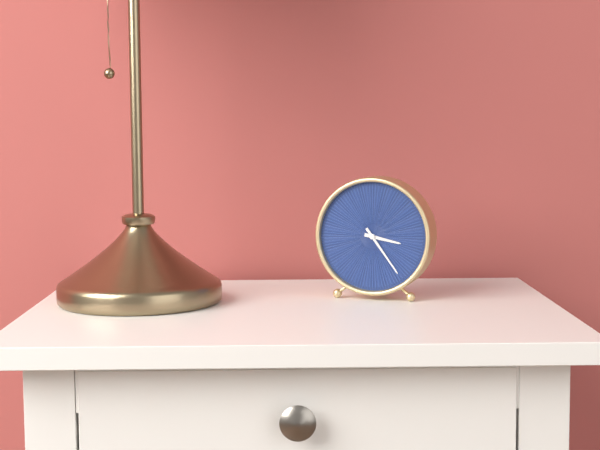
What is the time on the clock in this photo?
3:24
